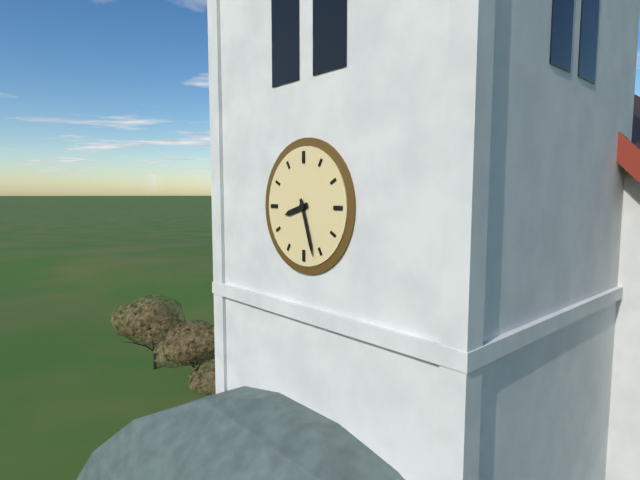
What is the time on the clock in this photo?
8:27
